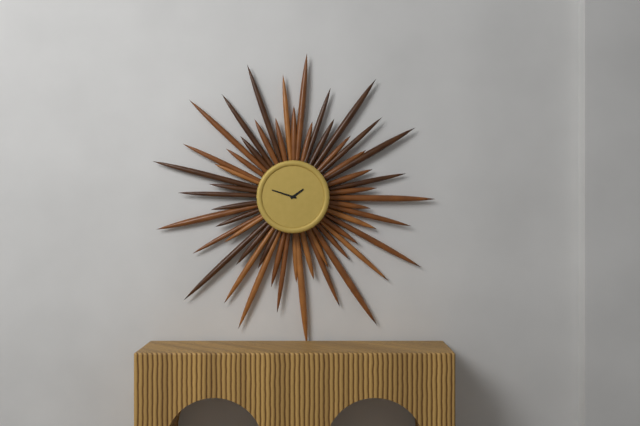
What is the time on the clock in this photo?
1:48
